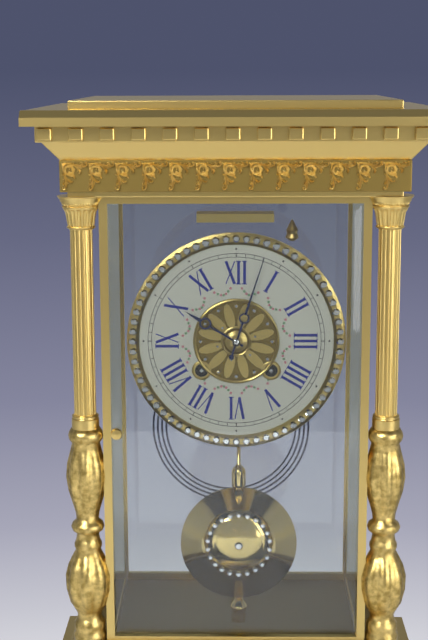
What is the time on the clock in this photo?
10:03
